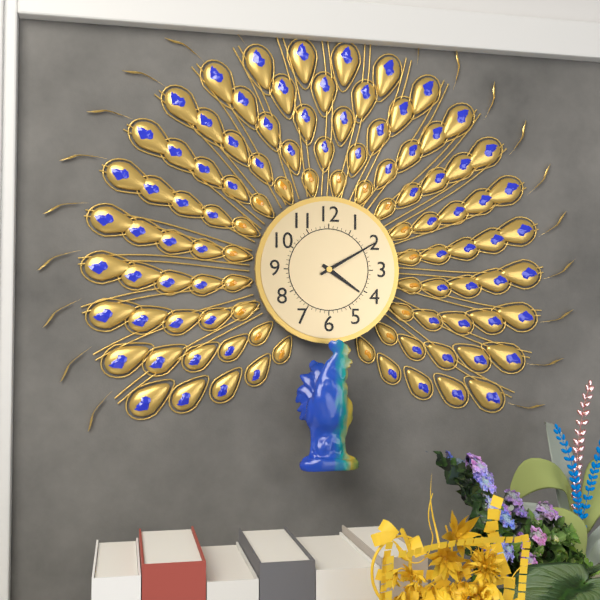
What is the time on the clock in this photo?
4:10
